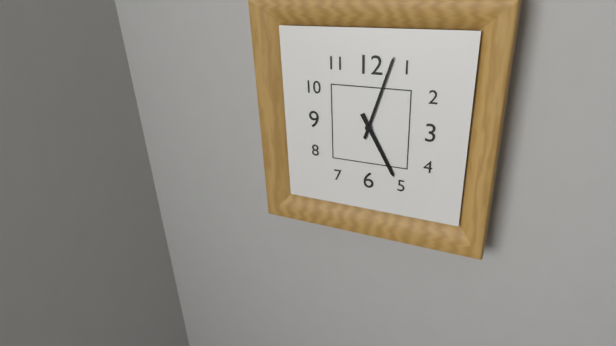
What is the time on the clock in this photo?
5:03
